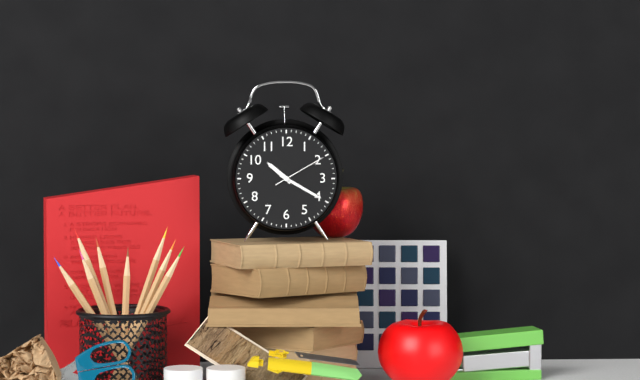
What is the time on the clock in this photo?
10:20:10
